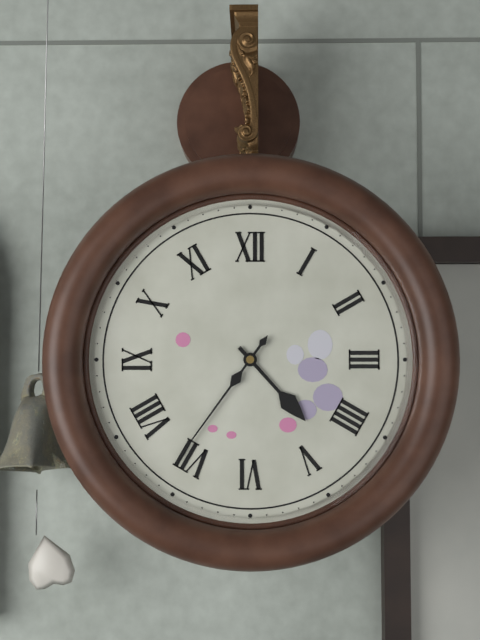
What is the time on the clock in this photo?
4:36
